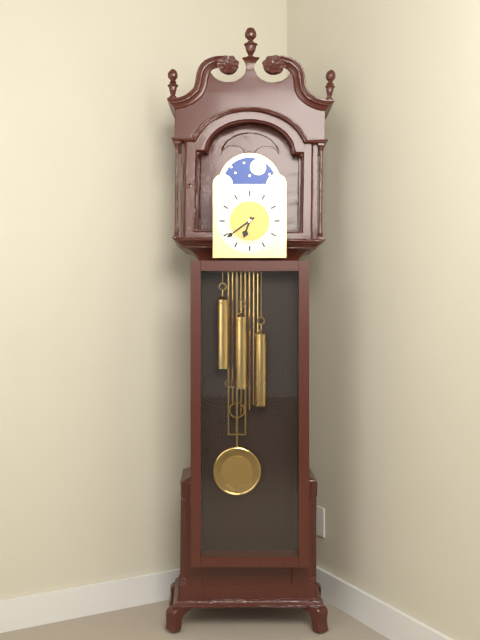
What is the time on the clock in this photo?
6:39
